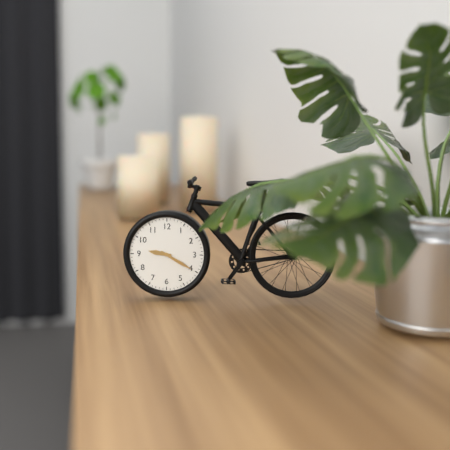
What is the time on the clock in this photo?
9:20
